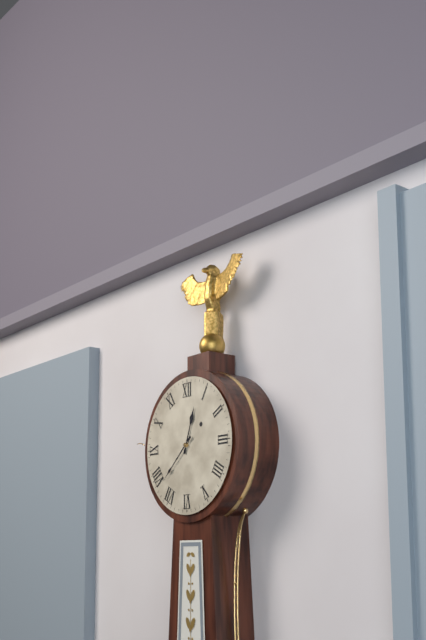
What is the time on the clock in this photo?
12:38
